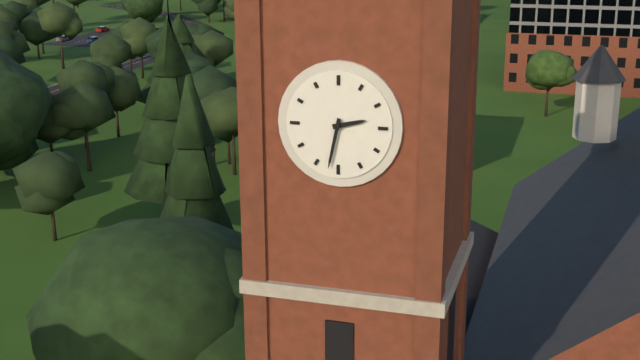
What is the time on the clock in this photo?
2:32
